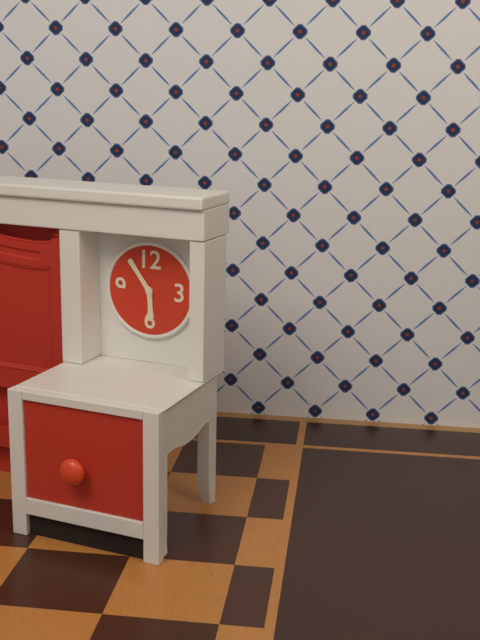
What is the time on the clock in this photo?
5:54
